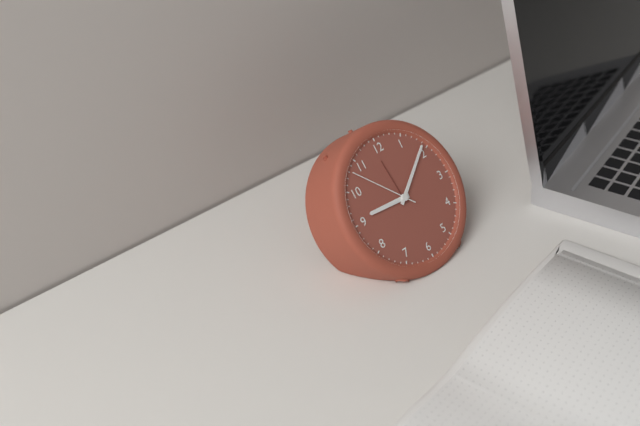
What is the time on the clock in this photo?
9:09:53
